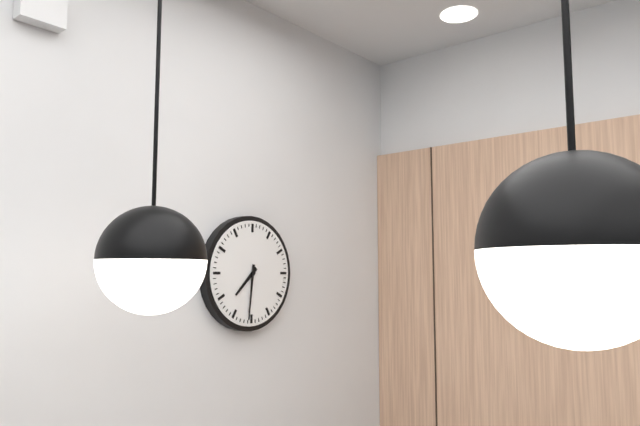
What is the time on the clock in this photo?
7:31
